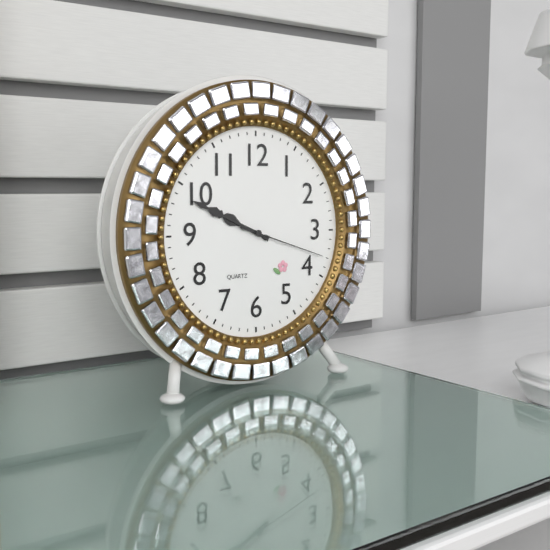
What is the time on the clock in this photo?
9:49:18
